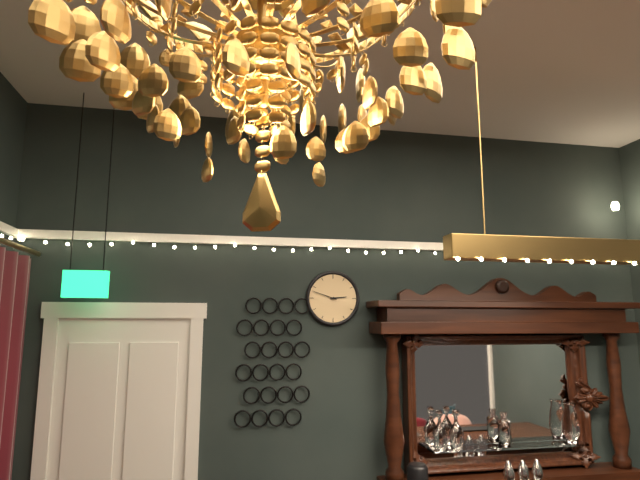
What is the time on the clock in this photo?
2:48
